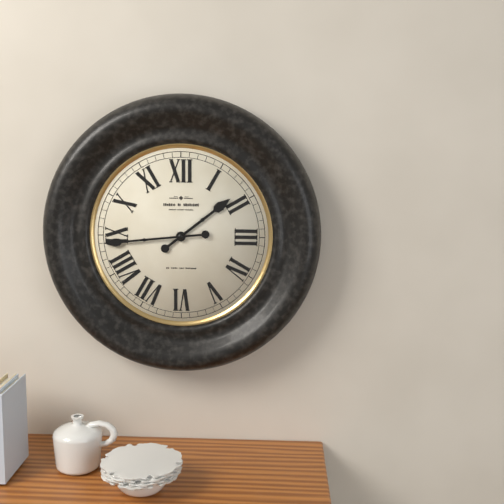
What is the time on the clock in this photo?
1:44
